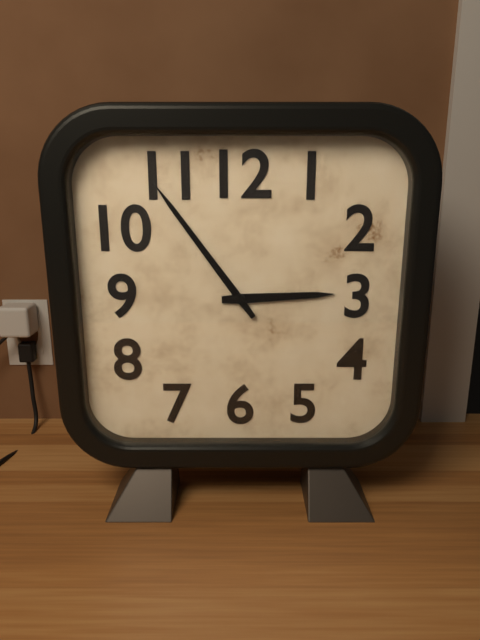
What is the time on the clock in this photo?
2:54
